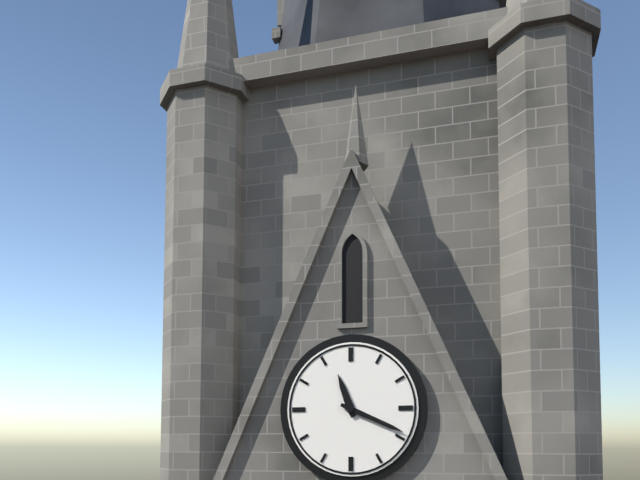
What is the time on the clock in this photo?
11:19
